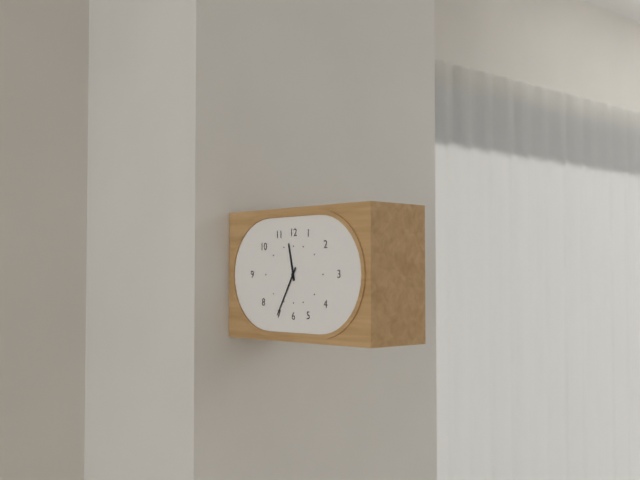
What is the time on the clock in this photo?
11:35
